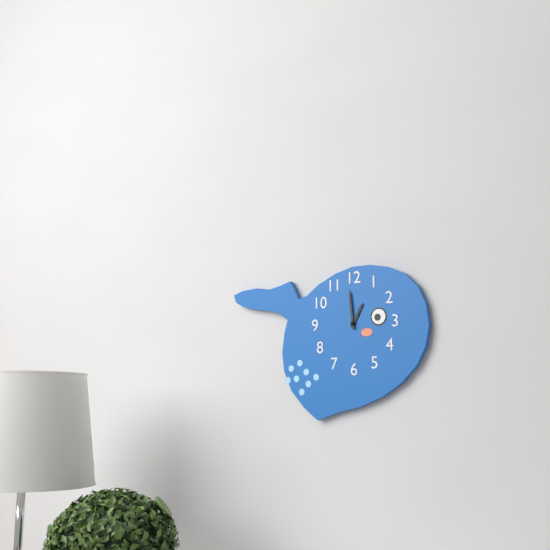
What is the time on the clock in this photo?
12:59
